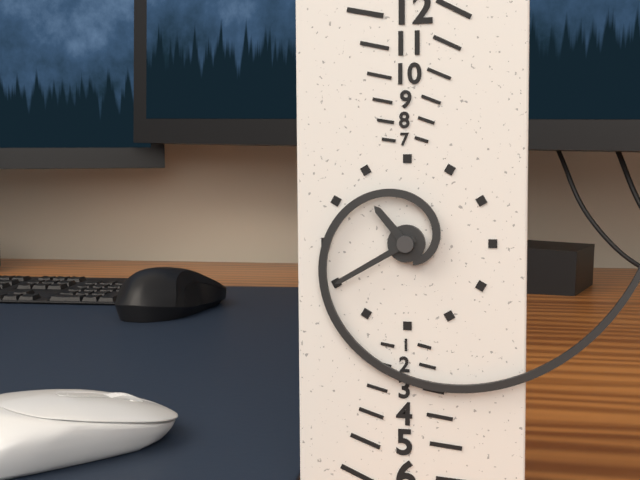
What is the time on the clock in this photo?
10:40
